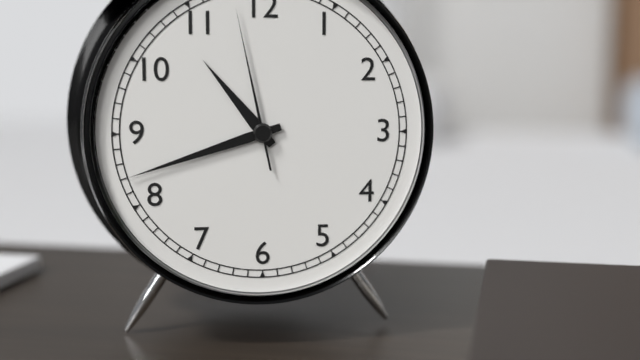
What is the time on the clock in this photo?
10:42:58
